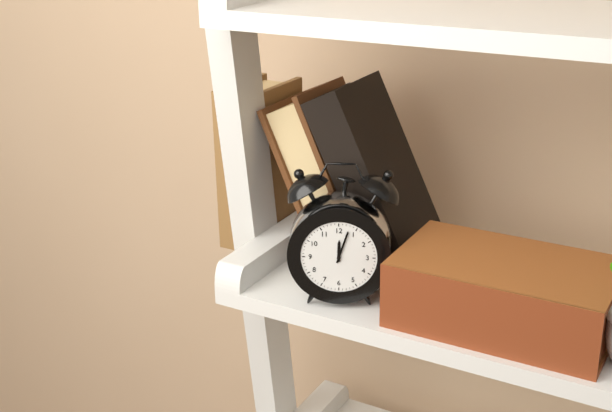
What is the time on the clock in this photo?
12:03
